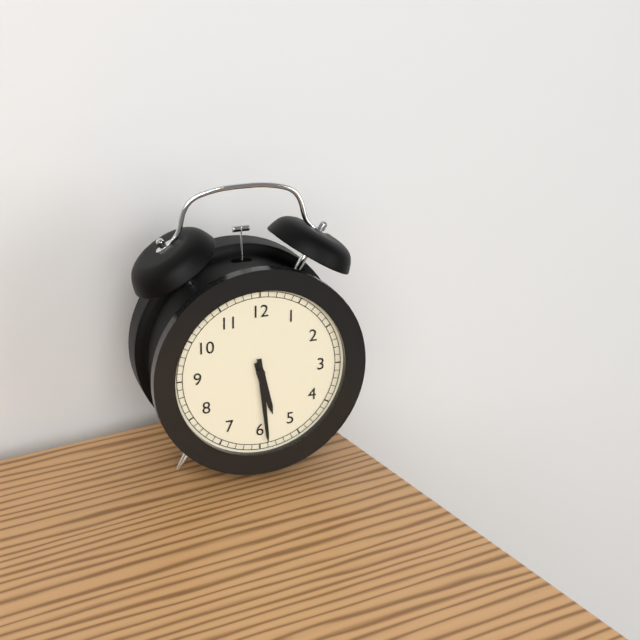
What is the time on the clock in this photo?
5:29
